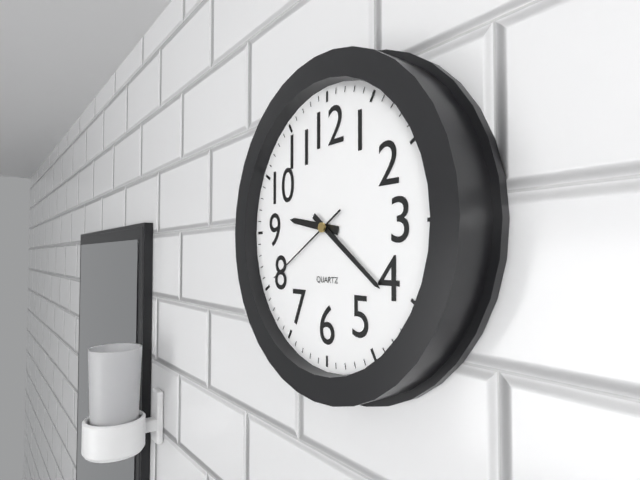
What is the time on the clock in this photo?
9:21:40
